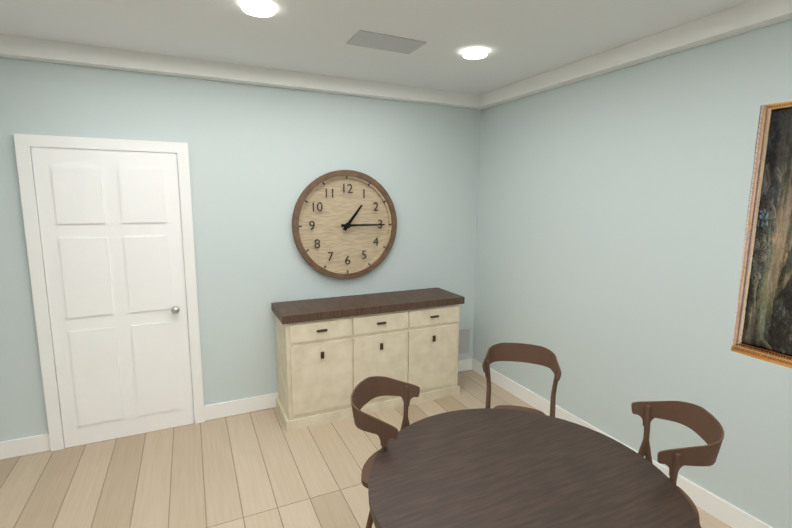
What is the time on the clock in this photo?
1:15
